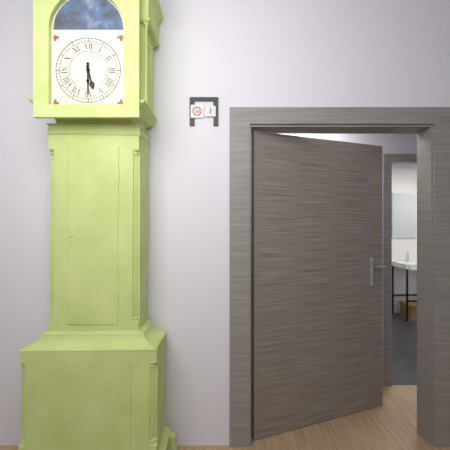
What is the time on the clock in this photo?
5:30
